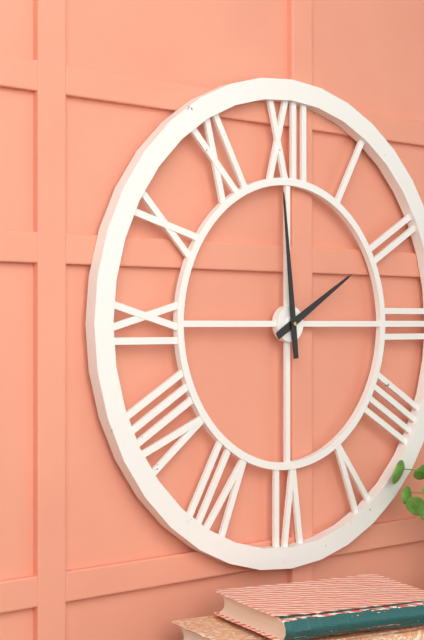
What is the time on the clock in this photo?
1:59
